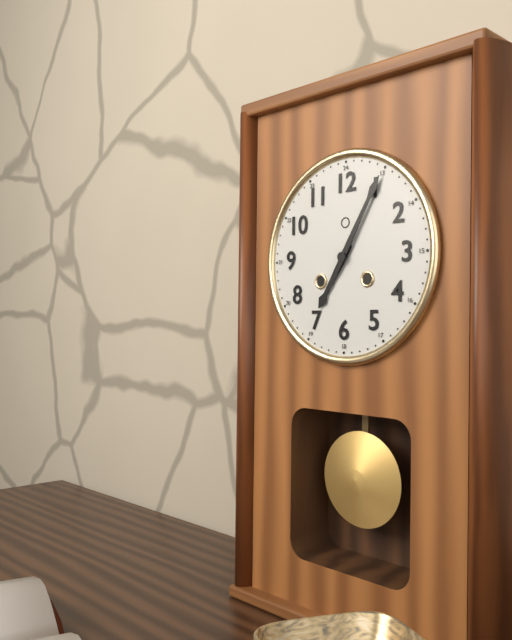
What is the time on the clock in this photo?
7:05
